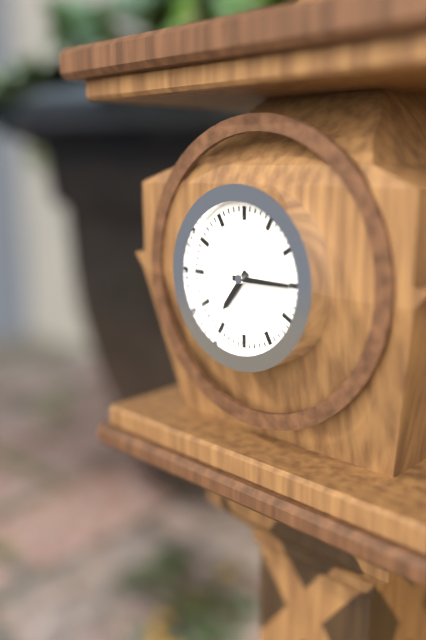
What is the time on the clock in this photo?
7:15
